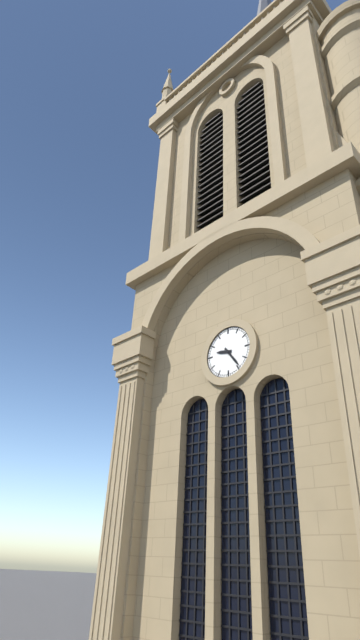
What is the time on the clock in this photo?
9:24
